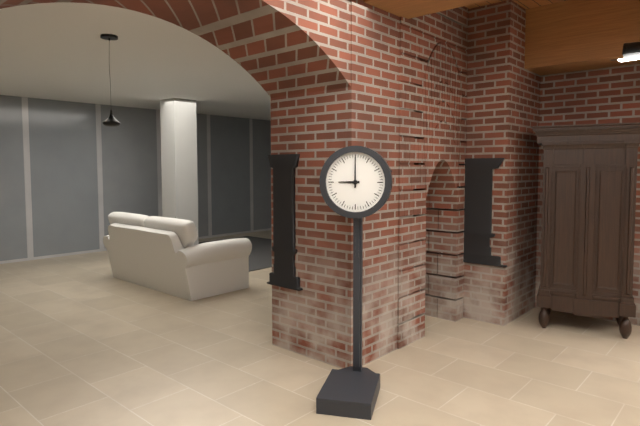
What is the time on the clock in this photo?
9:00
